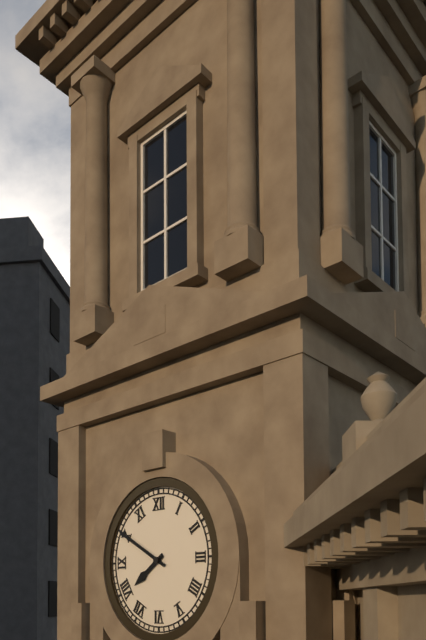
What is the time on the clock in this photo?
7:50
